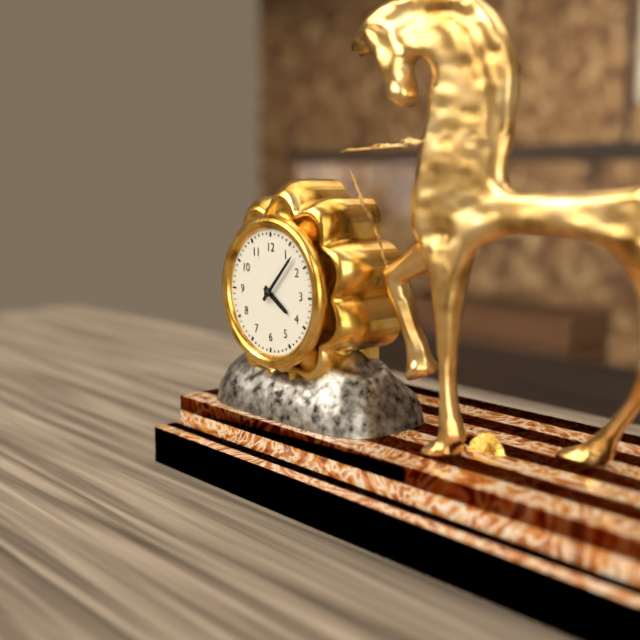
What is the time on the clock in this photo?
4:07
